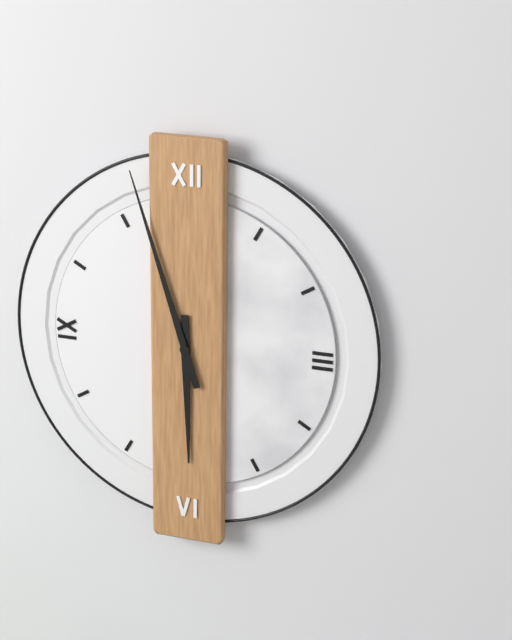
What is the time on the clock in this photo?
5:57
